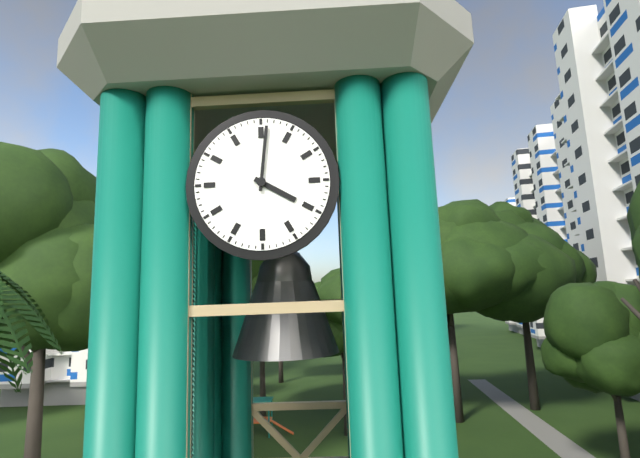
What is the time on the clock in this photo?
4:01
